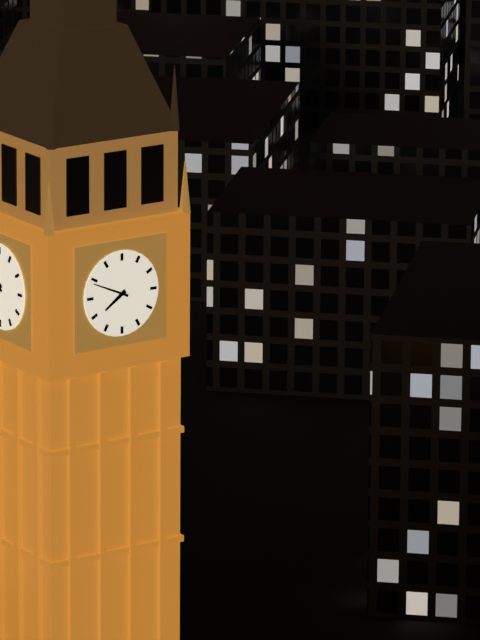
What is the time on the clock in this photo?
7:49
